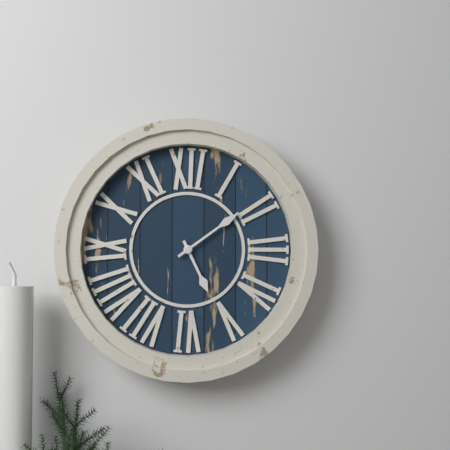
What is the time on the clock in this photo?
5:09
